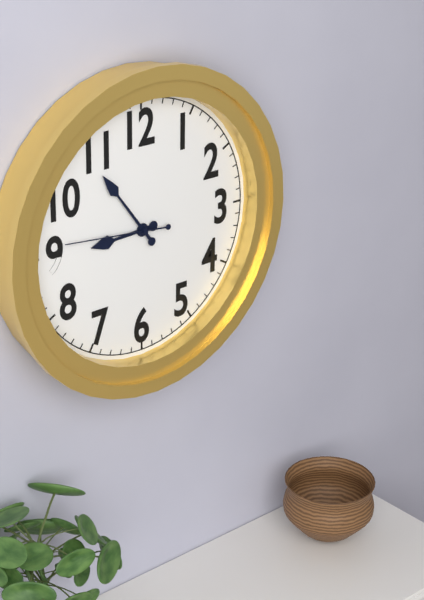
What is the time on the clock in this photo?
8:54:46
